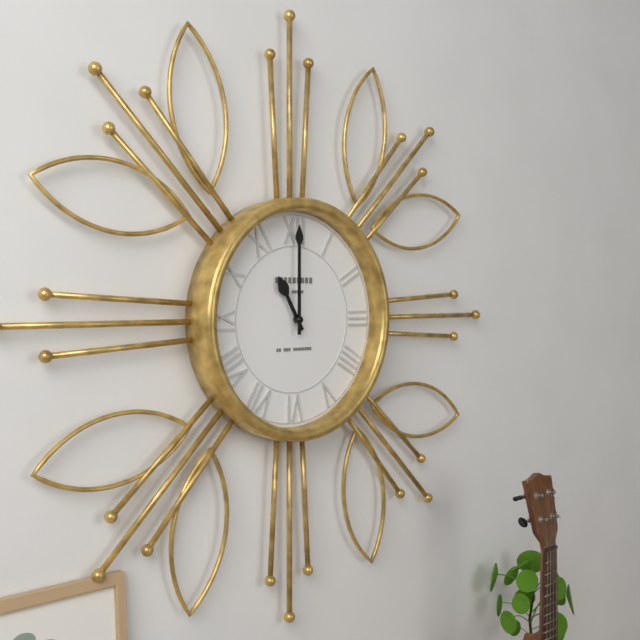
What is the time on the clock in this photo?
11:00
